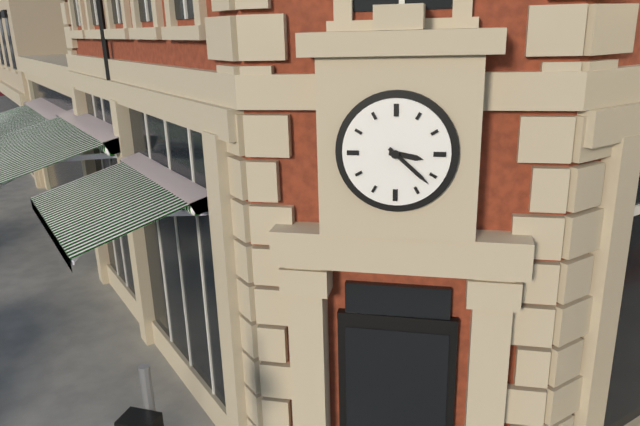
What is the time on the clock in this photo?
3:22
